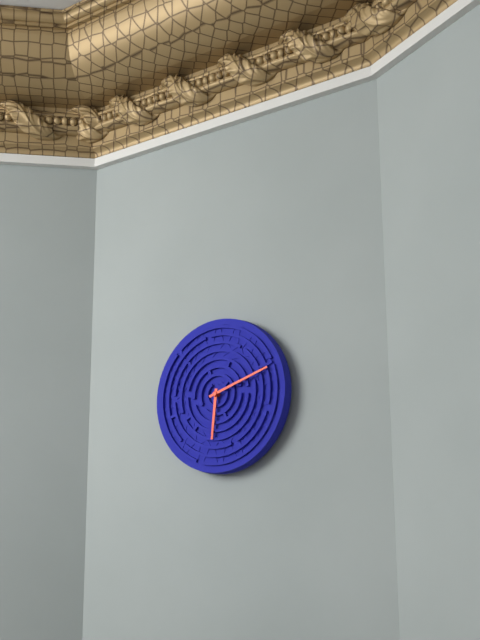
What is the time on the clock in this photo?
6:12
